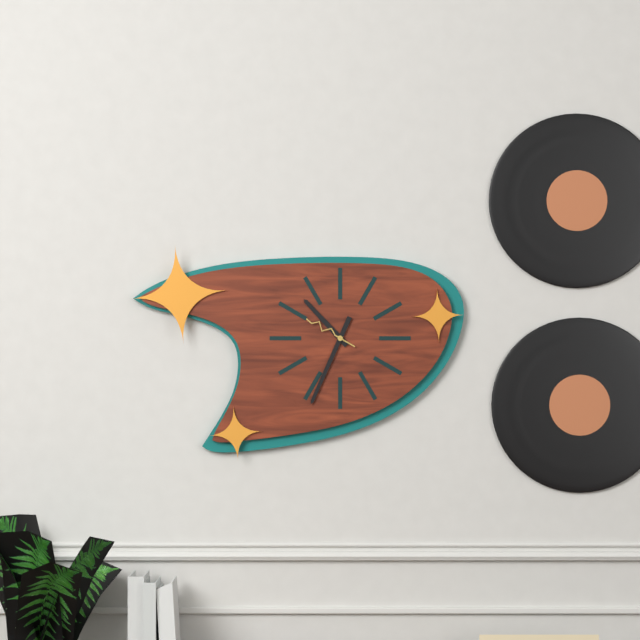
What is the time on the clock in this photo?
10:34
